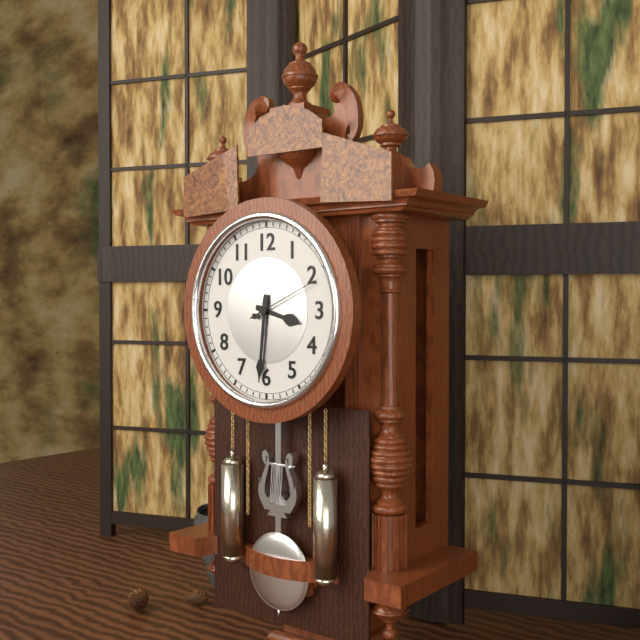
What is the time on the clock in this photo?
3:31:11
